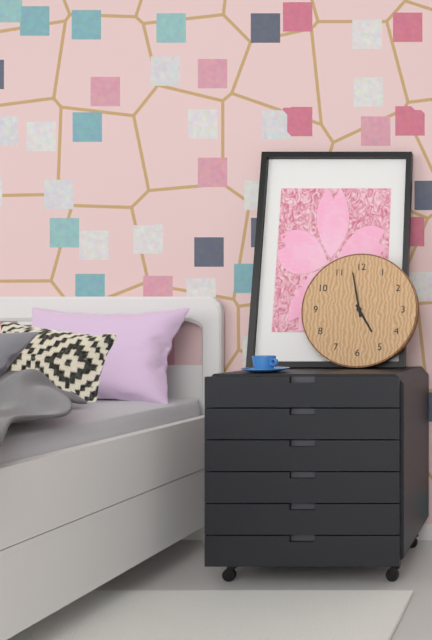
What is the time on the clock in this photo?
4:58
